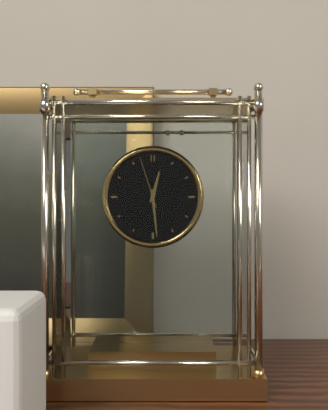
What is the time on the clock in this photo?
12:29:57
